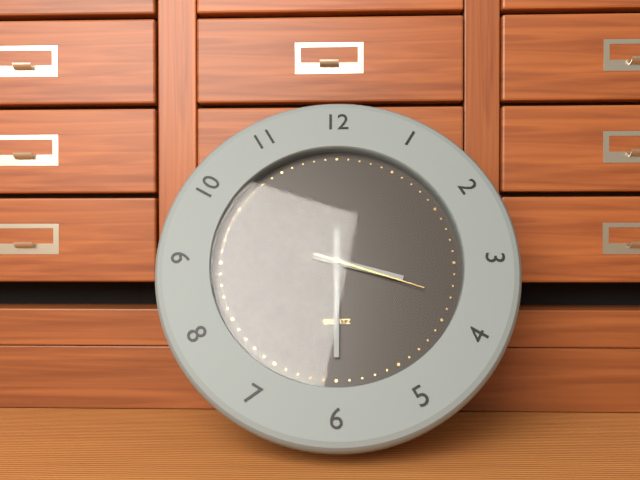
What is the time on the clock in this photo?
3:30:18
